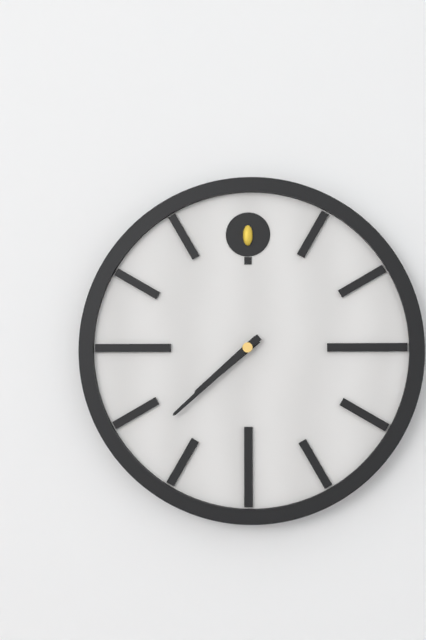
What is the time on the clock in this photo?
7:38
